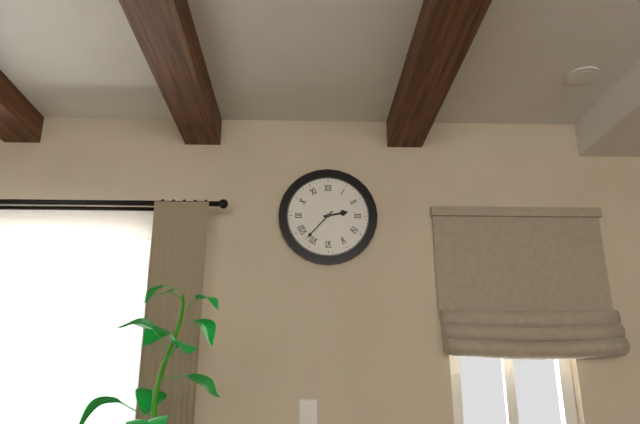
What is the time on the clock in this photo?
2:37
